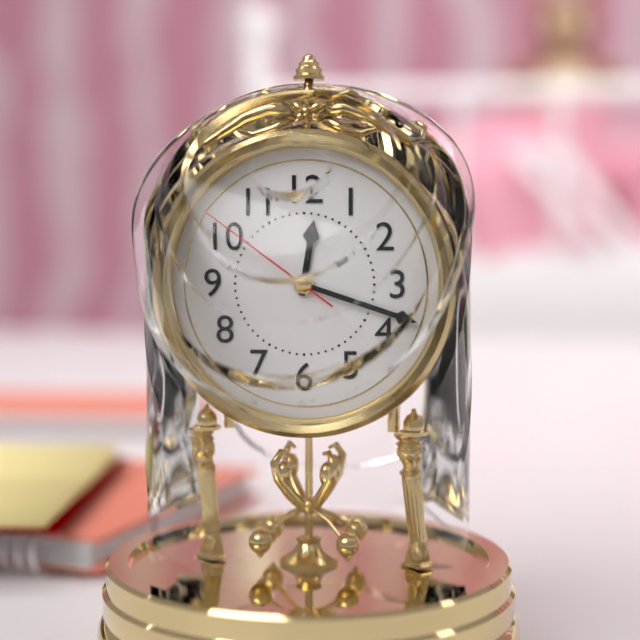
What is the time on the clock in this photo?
12:18:51
